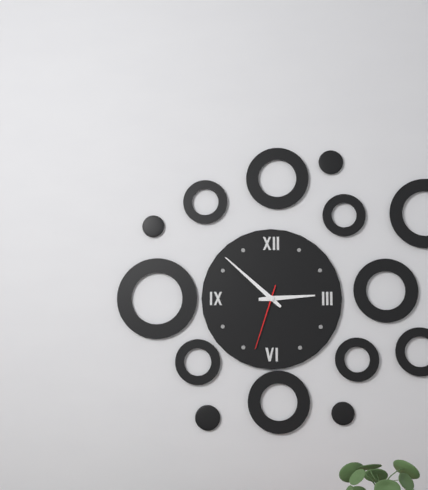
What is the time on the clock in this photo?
2:52:33
